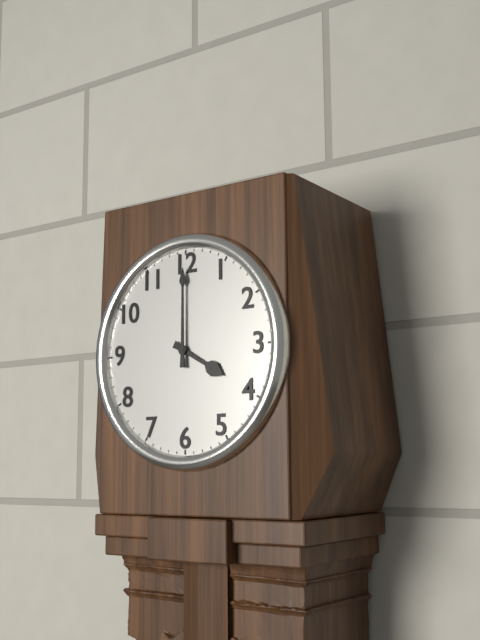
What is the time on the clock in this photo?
4:00
